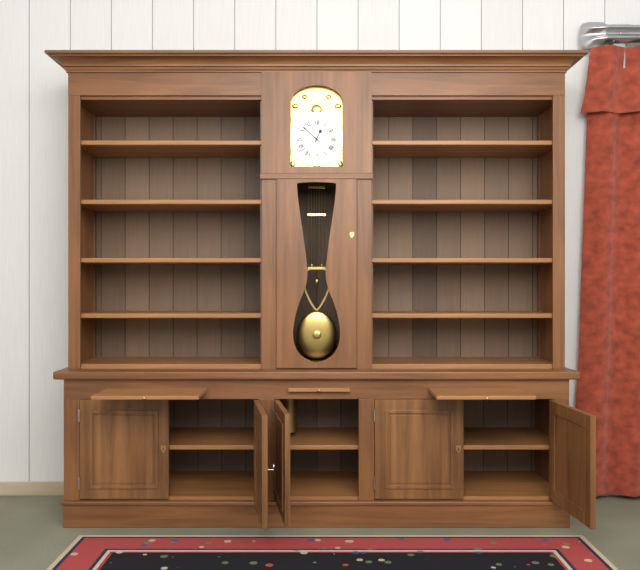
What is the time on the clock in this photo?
12:52
